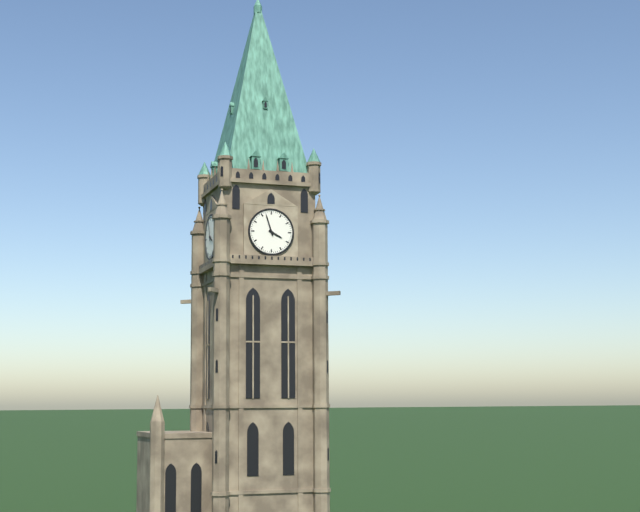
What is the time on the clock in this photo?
3:57
